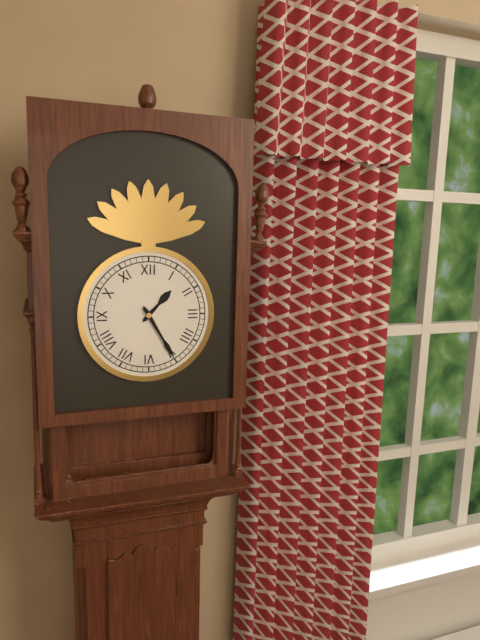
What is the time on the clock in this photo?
1:25
